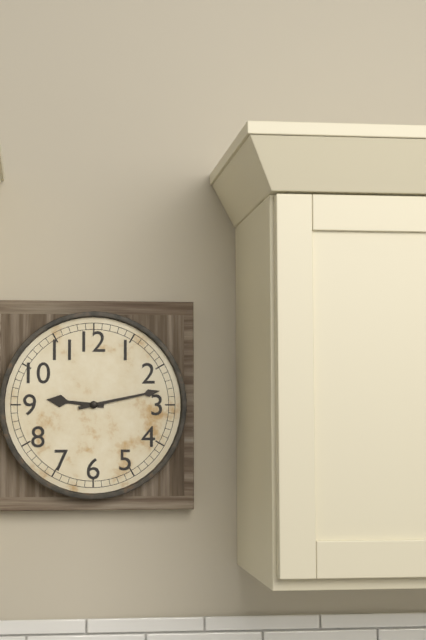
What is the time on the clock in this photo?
9:13
